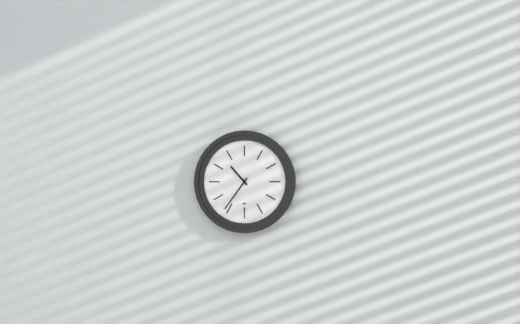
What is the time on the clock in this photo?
10:36
